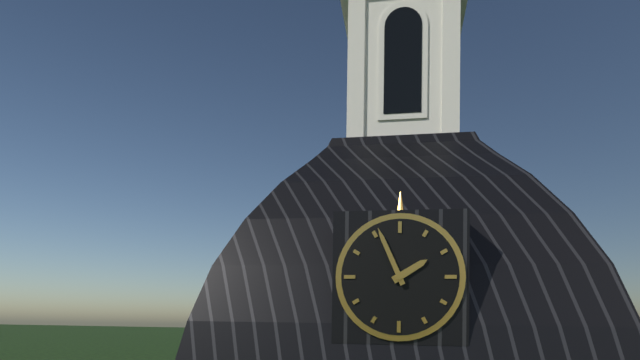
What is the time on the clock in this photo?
1:56
